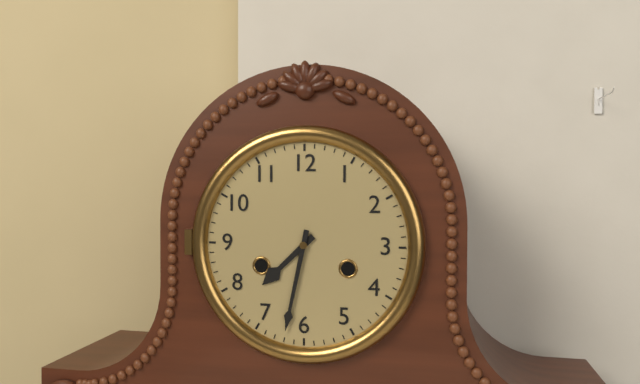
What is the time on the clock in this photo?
7:32
